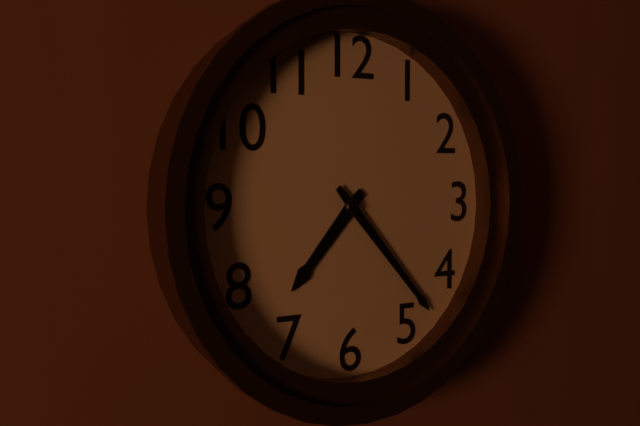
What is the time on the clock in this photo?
7:23
